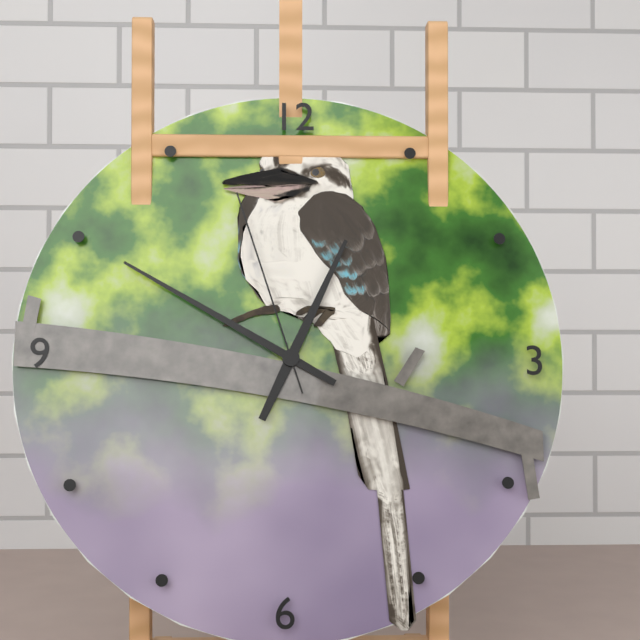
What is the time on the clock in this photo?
12:50:57
